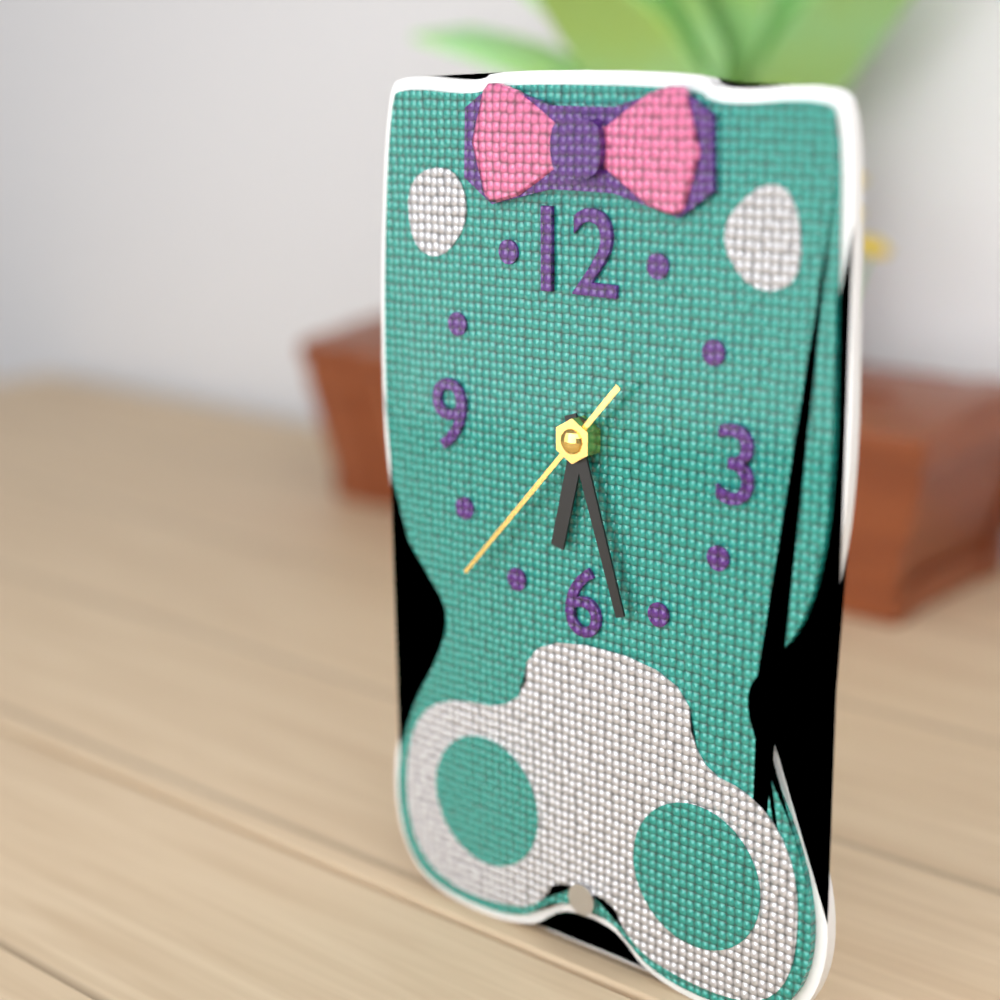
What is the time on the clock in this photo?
6:27:37
